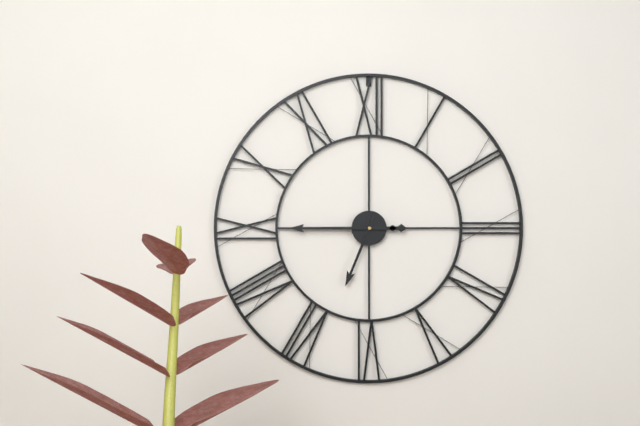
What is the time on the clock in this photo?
6:45
